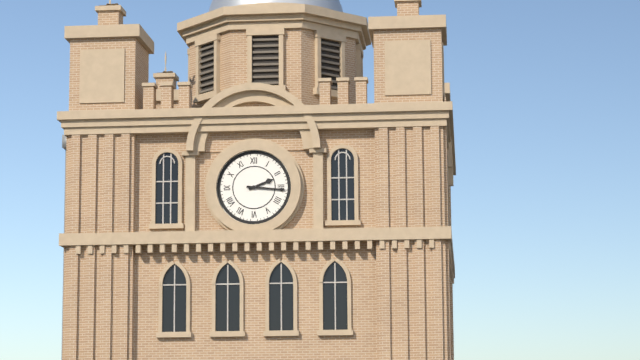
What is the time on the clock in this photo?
2:16
